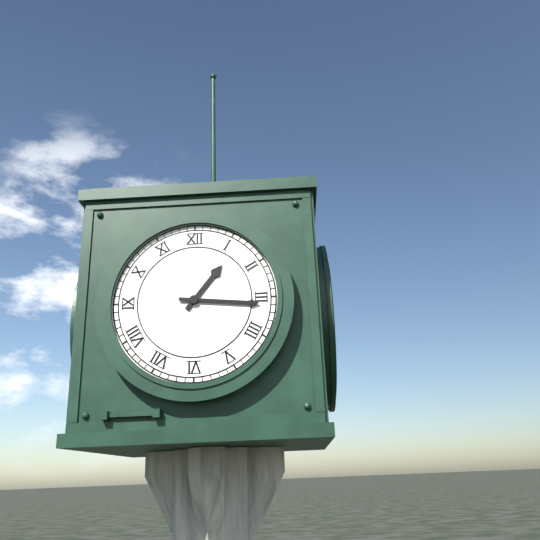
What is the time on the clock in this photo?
1:16
